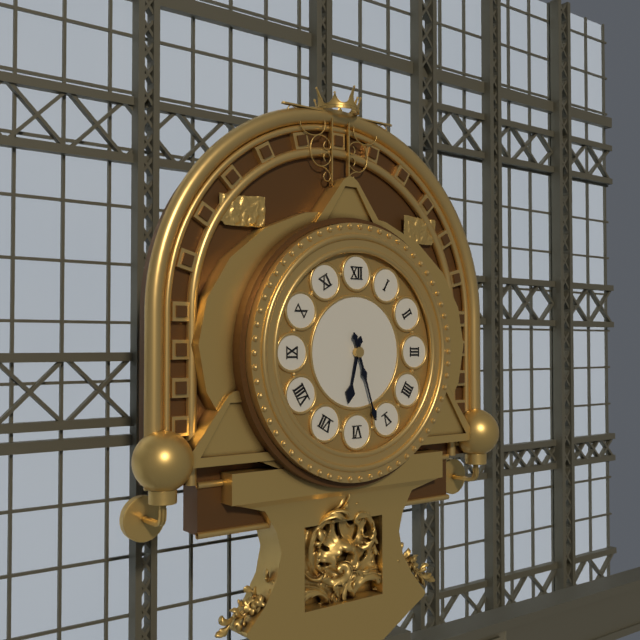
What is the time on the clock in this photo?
6:27
